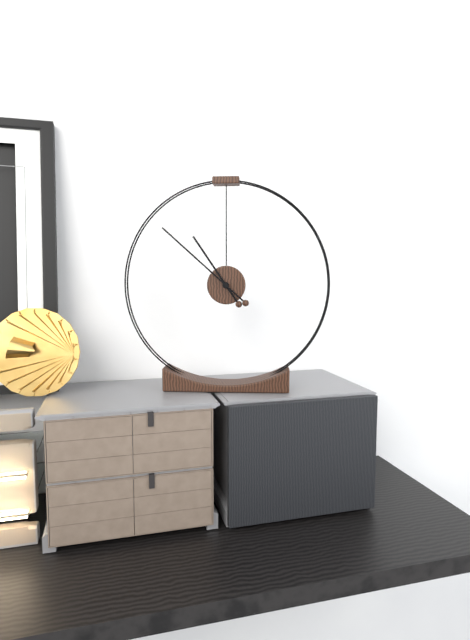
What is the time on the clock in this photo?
10:52
